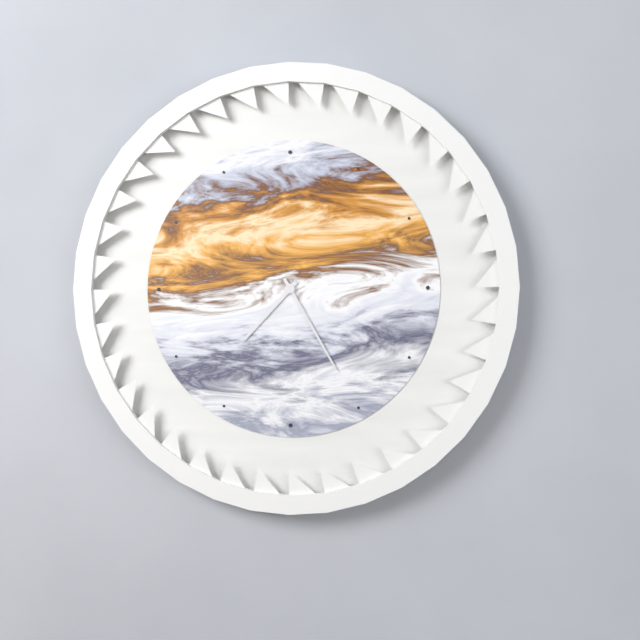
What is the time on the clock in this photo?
7:25
